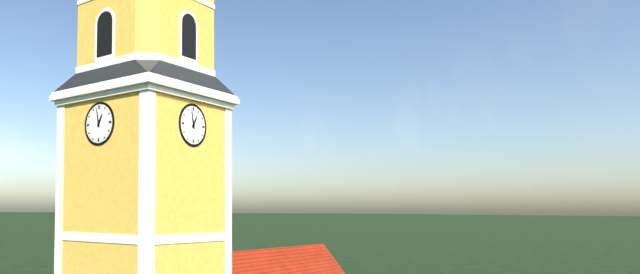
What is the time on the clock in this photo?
12:58
